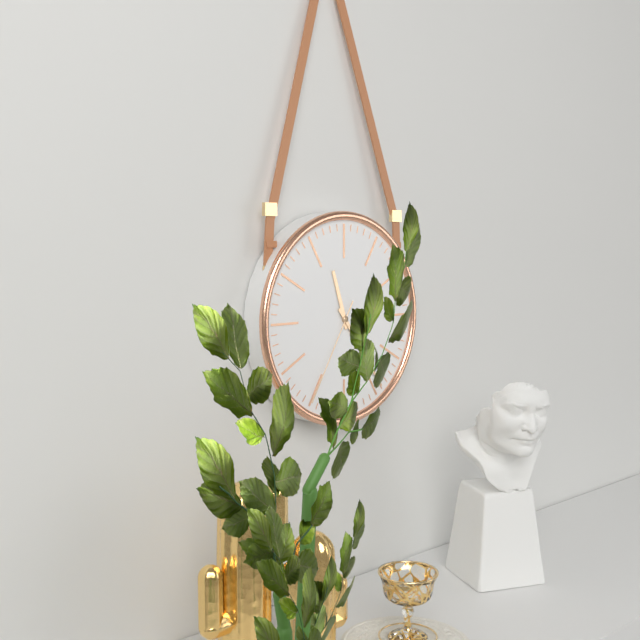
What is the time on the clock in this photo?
11:24:35
